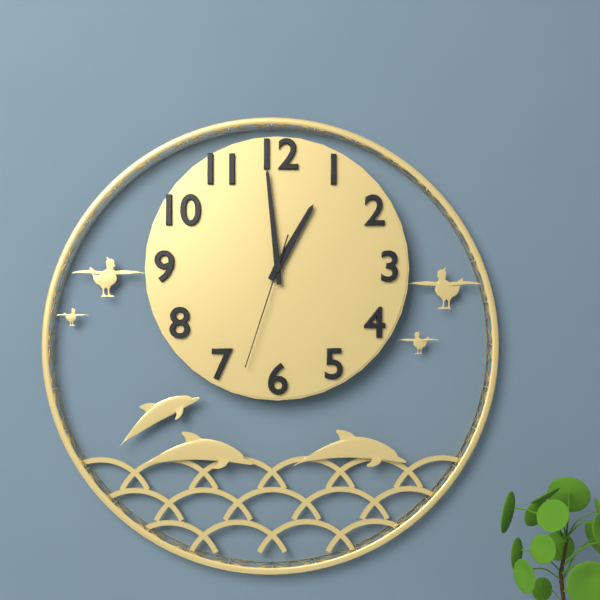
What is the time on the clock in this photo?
12:59:33
